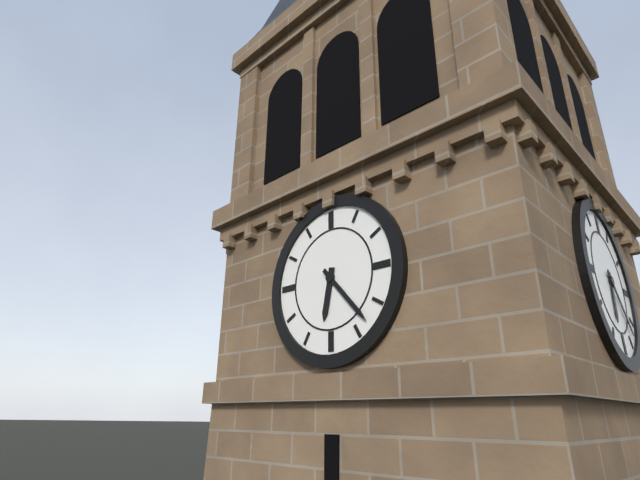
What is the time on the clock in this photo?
6:23
